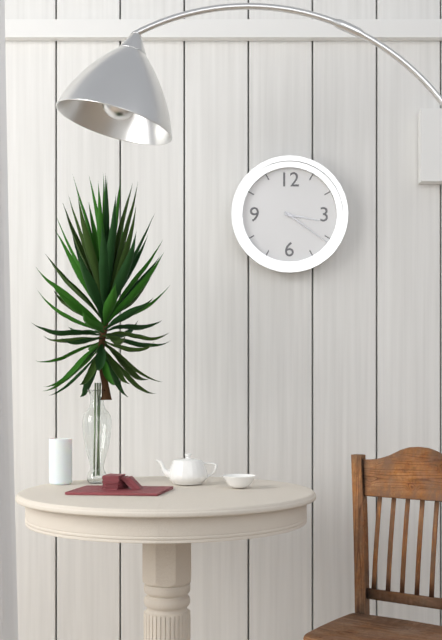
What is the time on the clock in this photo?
3:21
